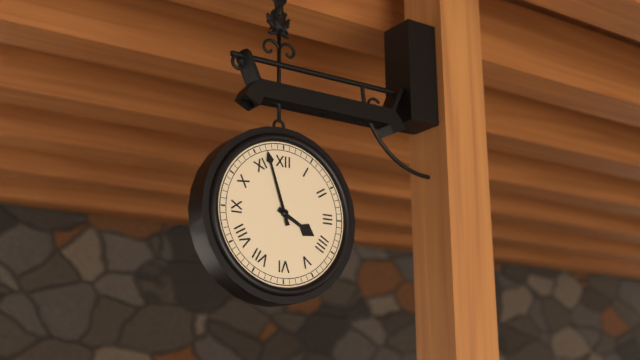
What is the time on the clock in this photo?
3:57
